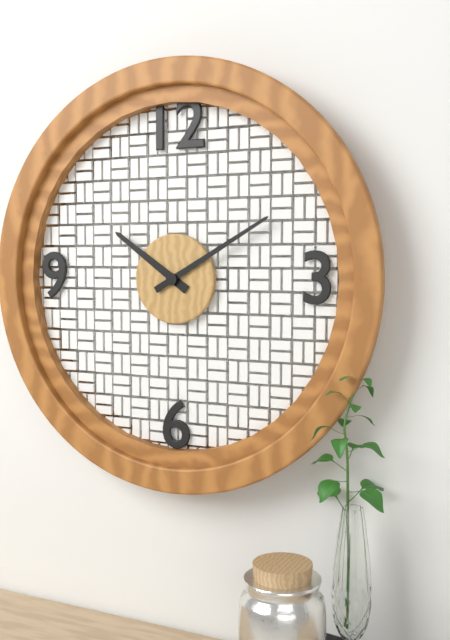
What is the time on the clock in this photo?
10:10
